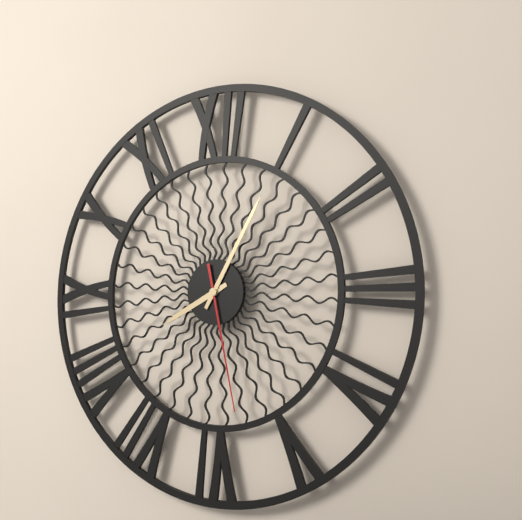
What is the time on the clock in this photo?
8:05:28
